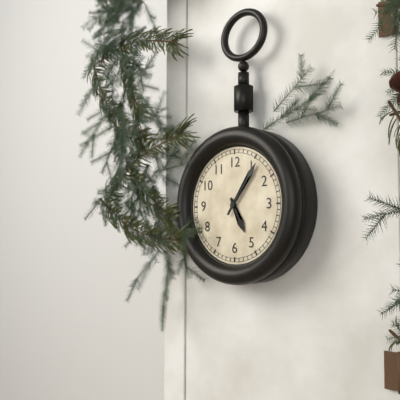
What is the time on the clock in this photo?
5:06
